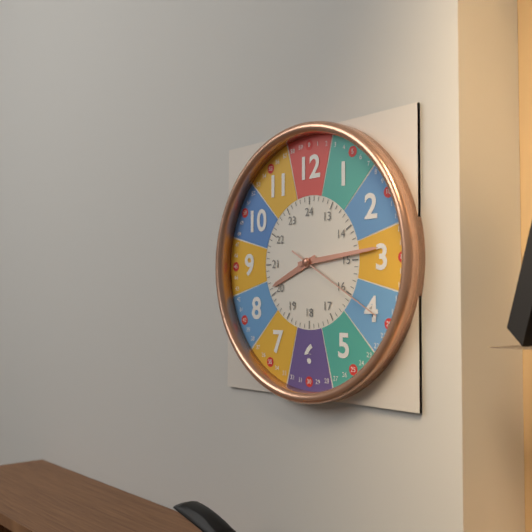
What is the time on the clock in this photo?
8:14:20
